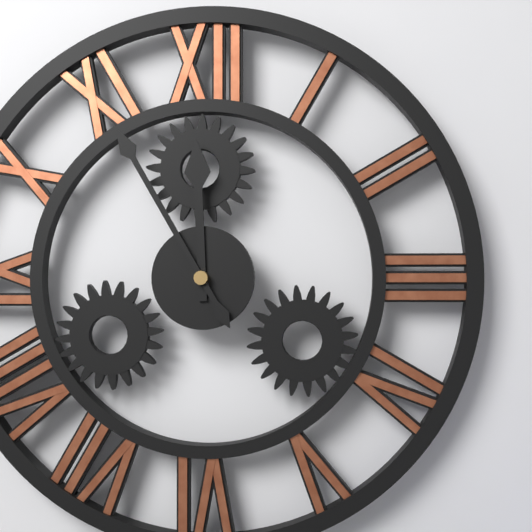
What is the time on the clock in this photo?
11:55
